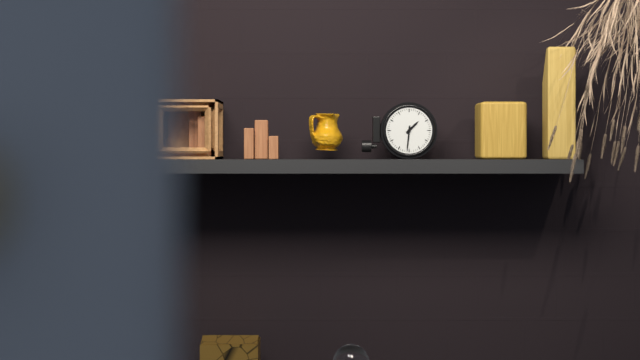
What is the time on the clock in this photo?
1:31
